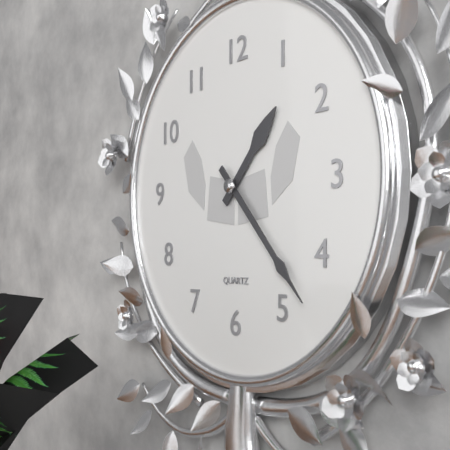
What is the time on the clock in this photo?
1:23
